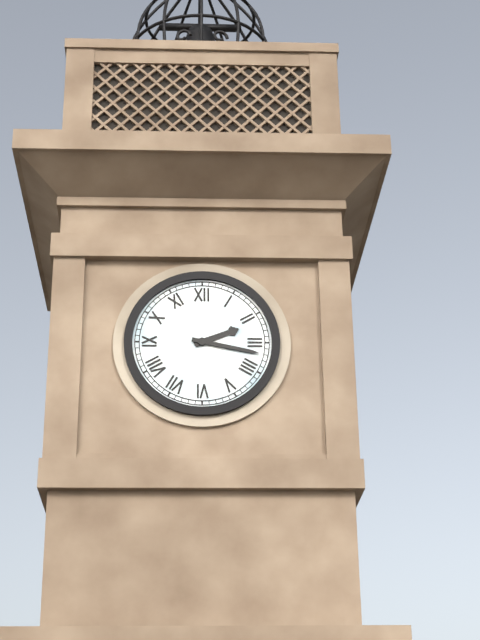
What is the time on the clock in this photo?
2:17
